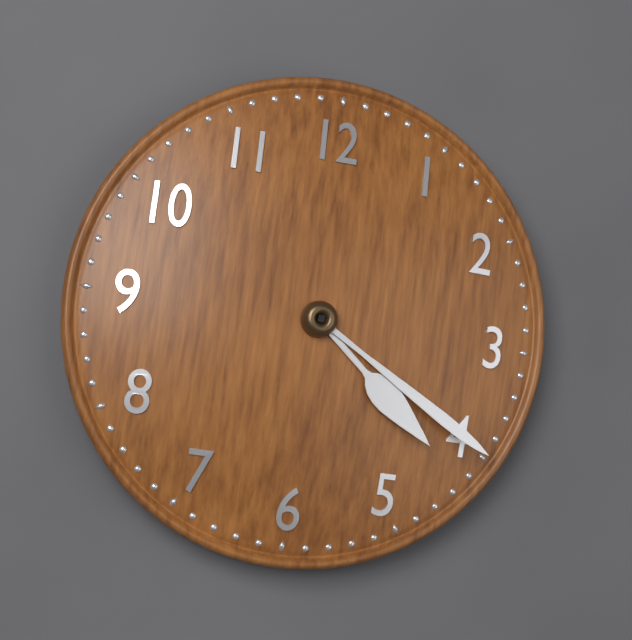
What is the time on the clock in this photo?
4:20
